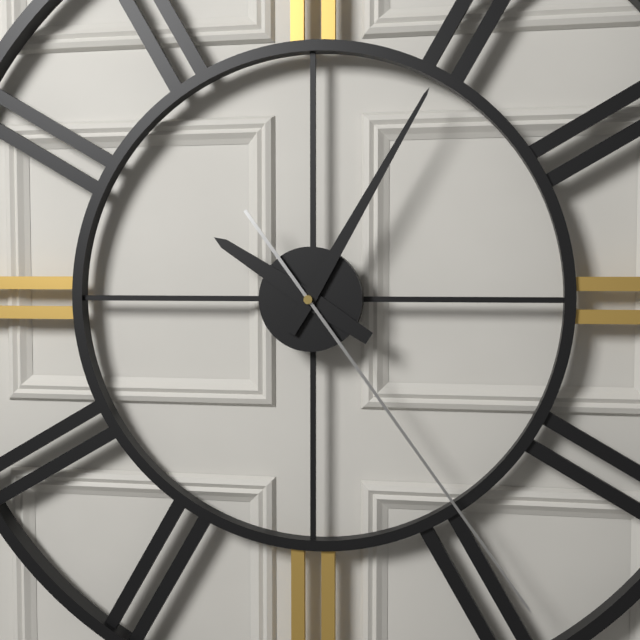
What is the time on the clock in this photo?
10:05:24
